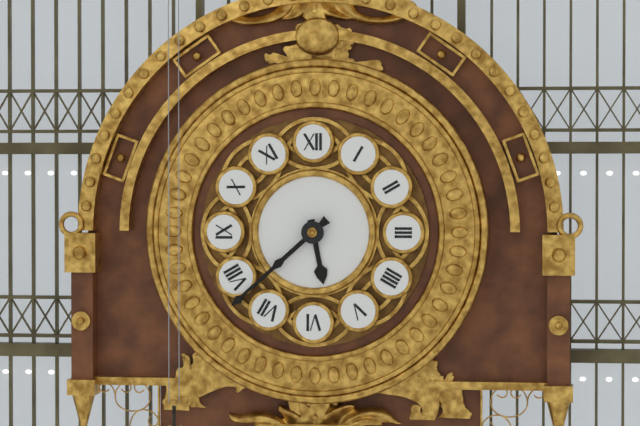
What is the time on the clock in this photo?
5:38
